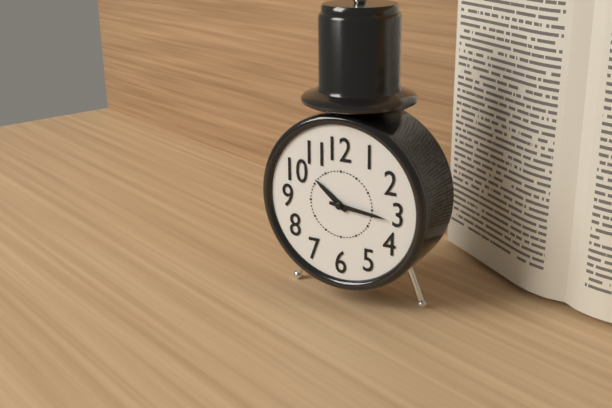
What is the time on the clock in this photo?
10:16
